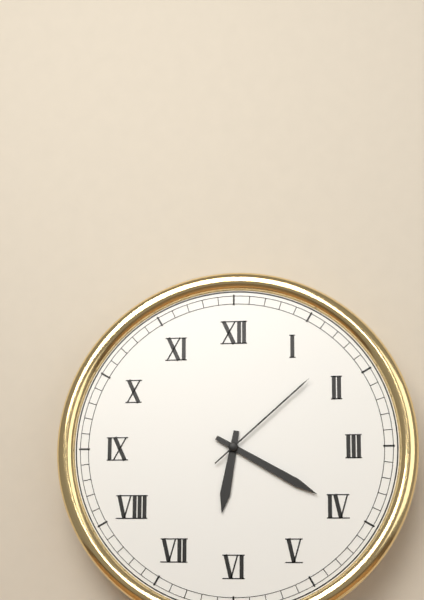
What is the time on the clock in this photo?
6:20:08
